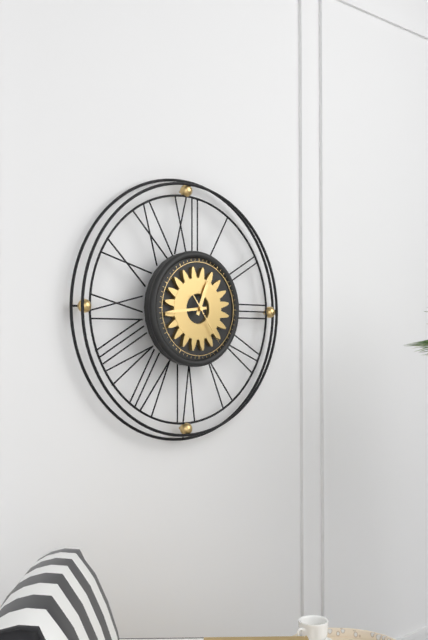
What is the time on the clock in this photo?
12:44
